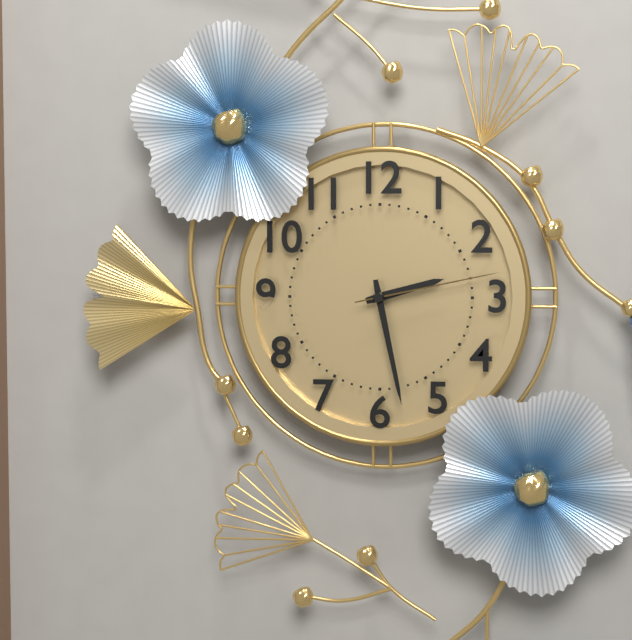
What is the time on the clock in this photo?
2:28:13
